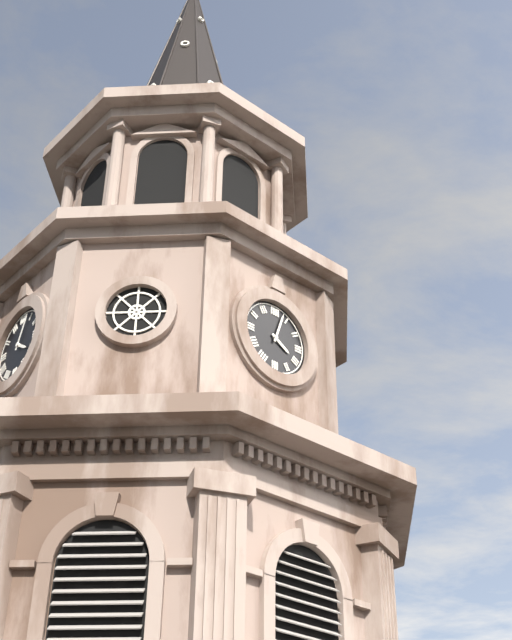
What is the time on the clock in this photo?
4:03
